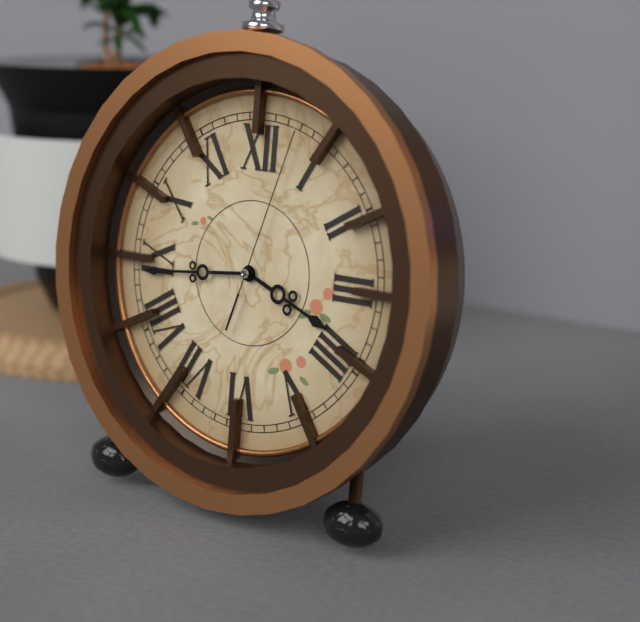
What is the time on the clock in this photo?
3:44:03
